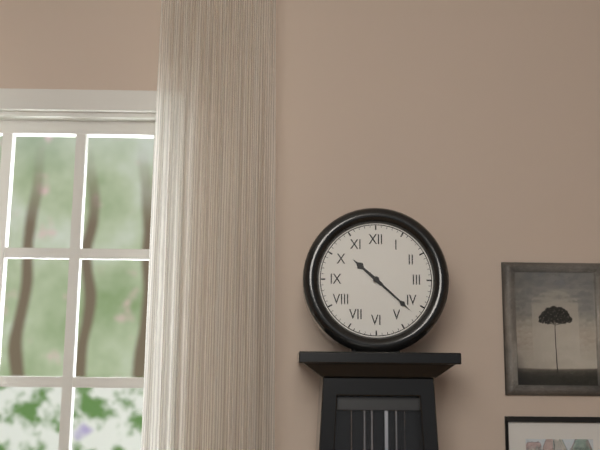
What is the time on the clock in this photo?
10:22
